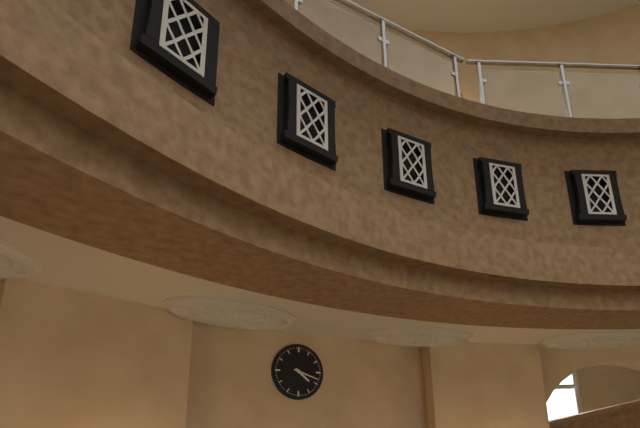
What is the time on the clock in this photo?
4:18
